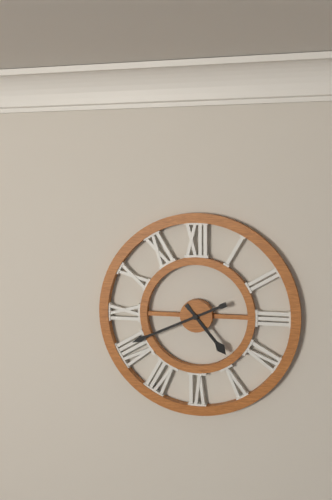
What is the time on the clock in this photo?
4:41
